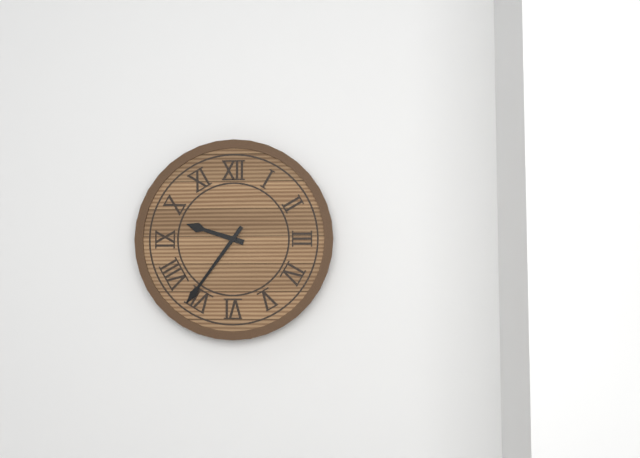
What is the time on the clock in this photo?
9:36
